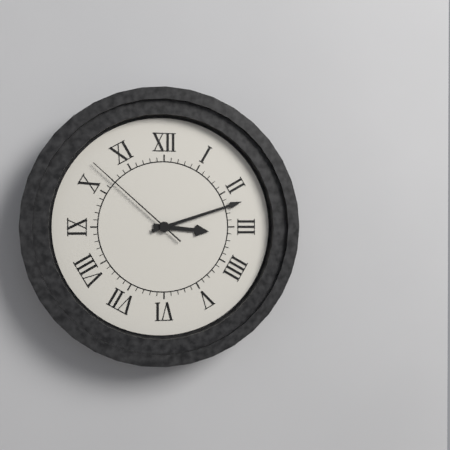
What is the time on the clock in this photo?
3:12:52
